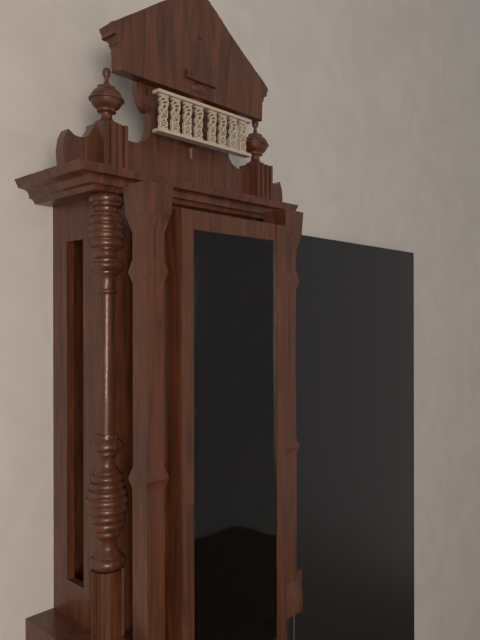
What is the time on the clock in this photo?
2:54
